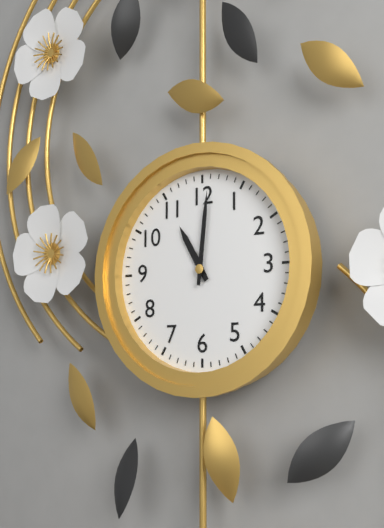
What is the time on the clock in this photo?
11:01
